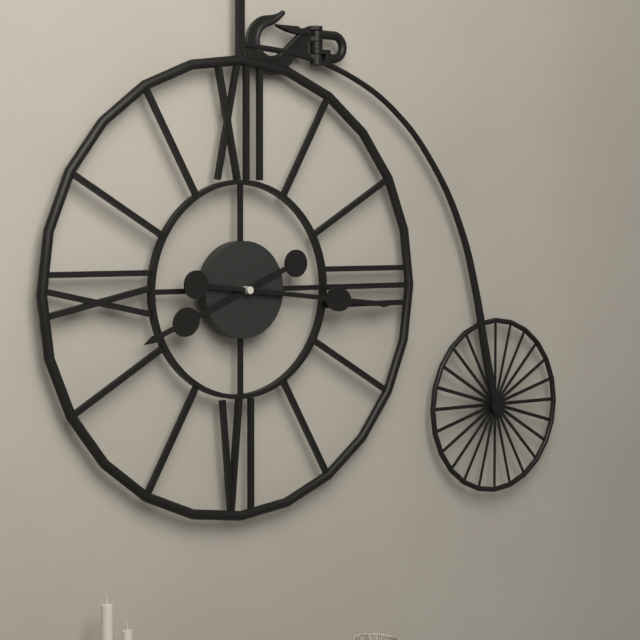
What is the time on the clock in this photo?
8:16
